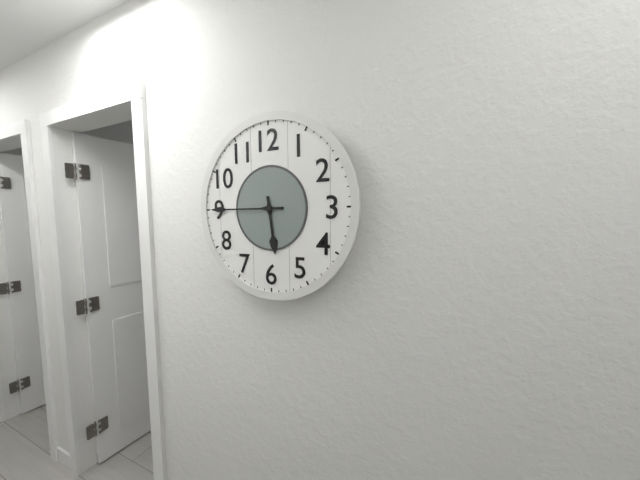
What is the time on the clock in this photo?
5:45
